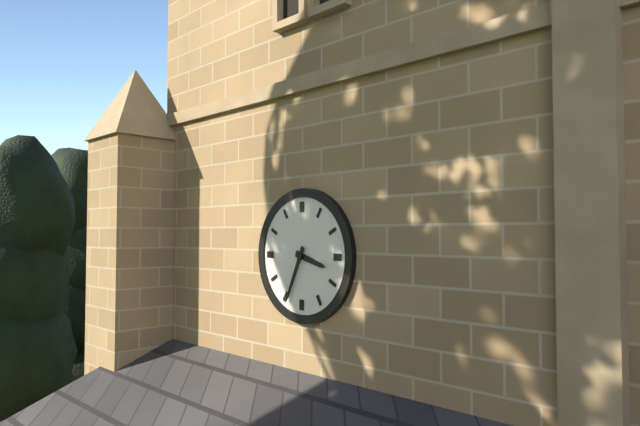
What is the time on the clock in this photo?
3:34
